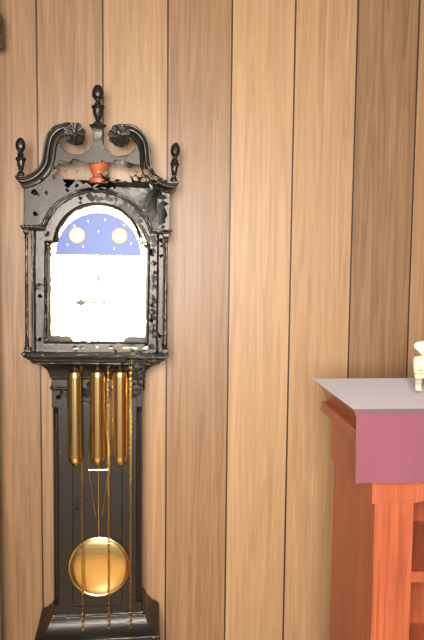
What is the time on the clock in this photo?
9:00
